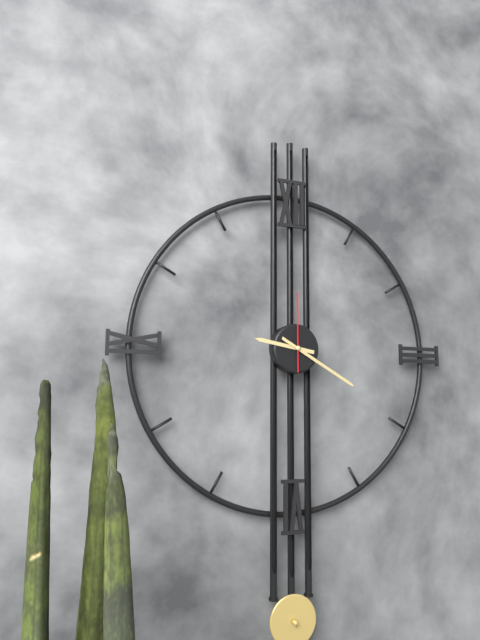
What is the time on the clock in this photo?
9:20:00
